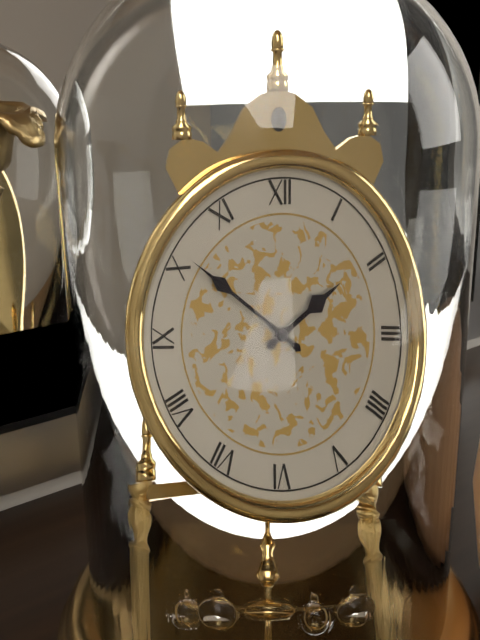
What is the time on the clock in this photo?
1:51
